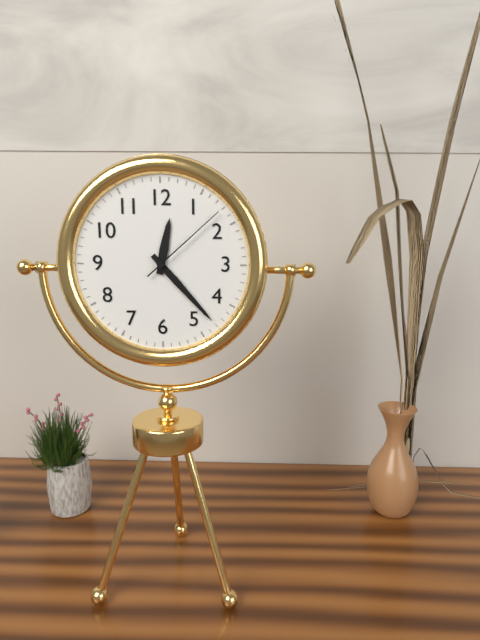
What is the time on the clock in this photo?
12:23:08
